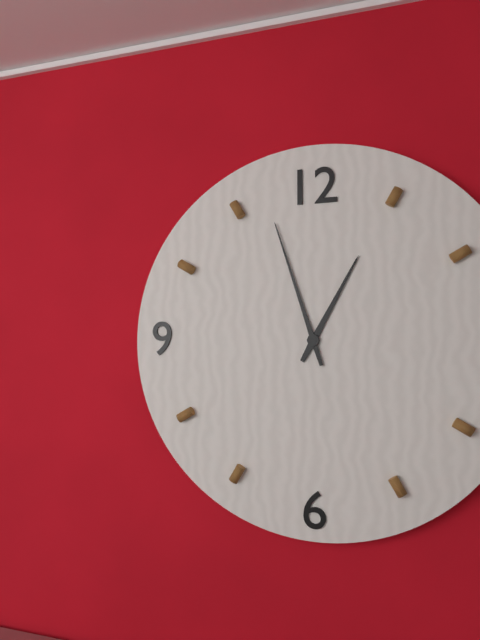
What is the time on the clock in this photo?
12:57
